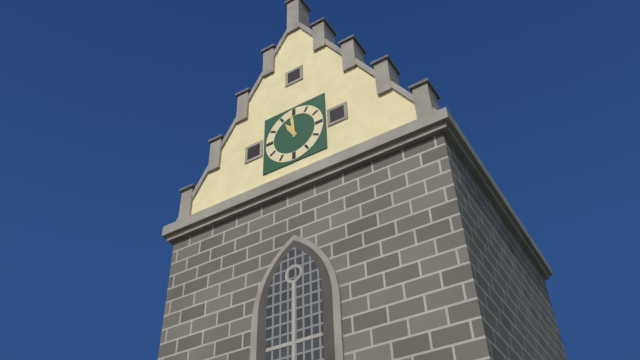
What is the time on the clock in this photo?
10:59
